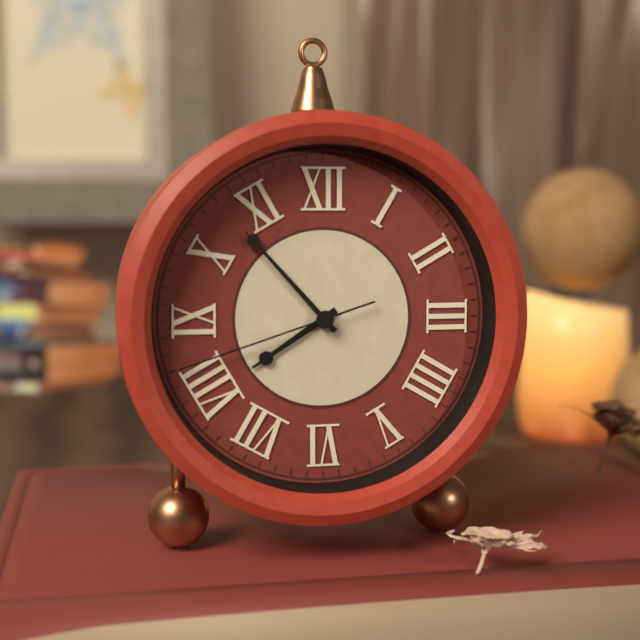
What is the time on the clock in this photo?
7:53:42
